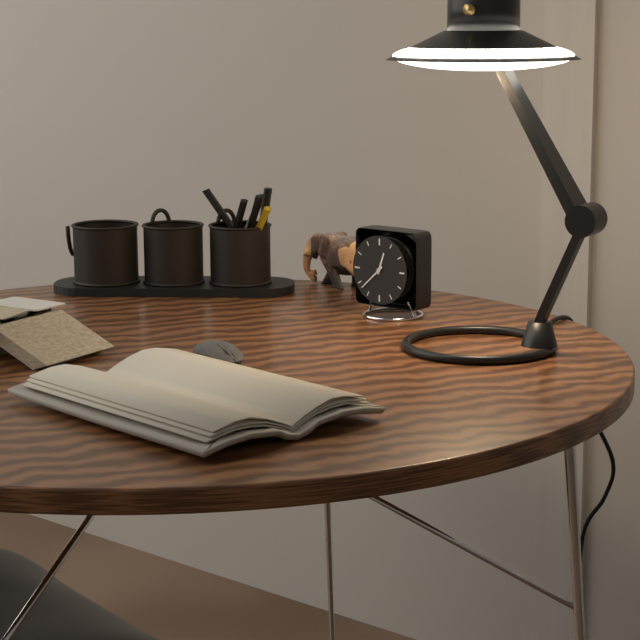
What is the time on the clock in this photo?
12:38
